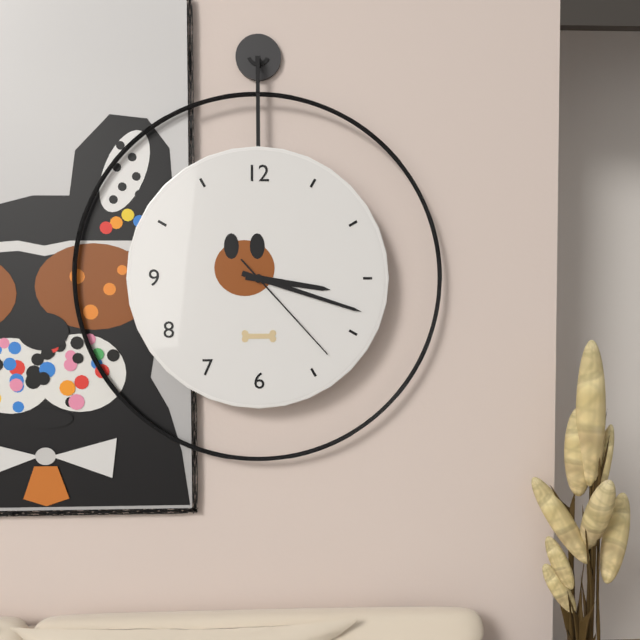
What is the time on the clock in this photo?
3:18:23
